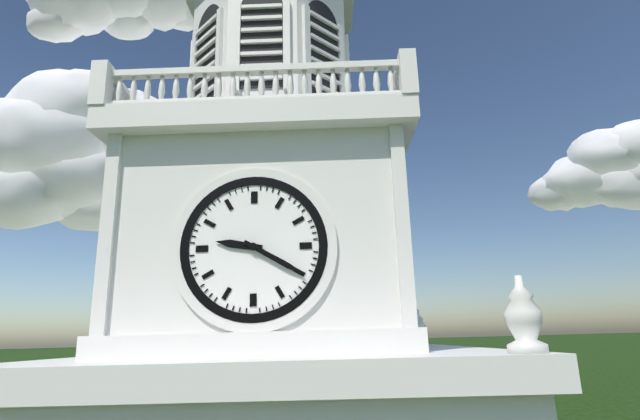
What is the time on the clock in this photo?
9:20
